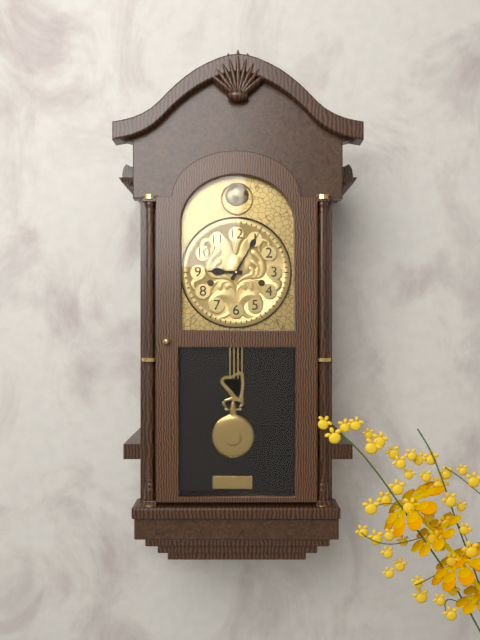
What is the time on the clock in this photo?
9:05
